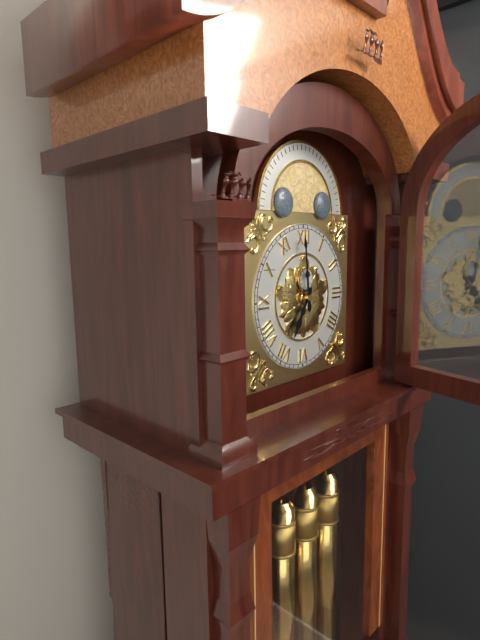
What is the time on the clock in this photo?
6:59
